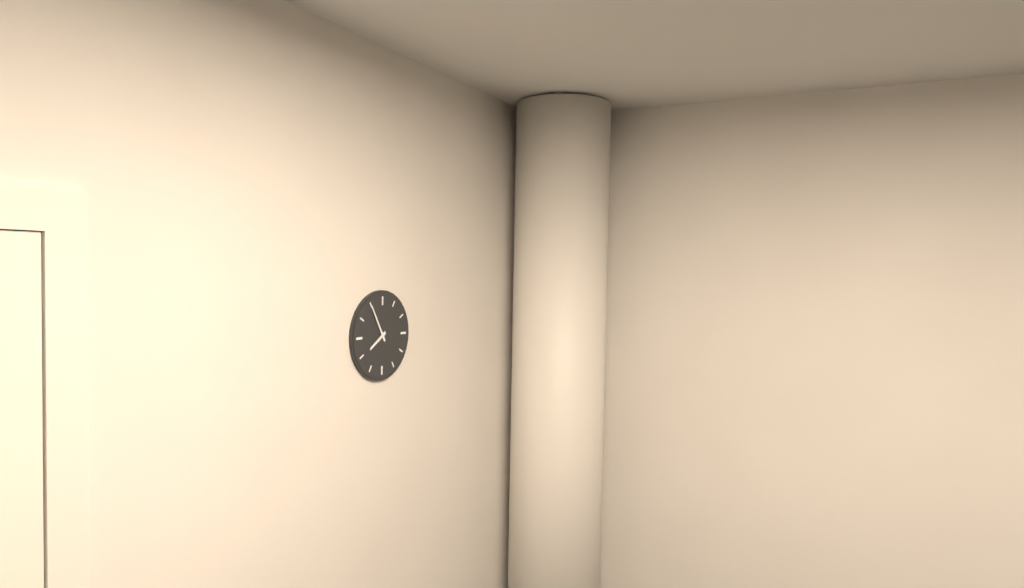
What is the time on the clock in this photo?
7:55
